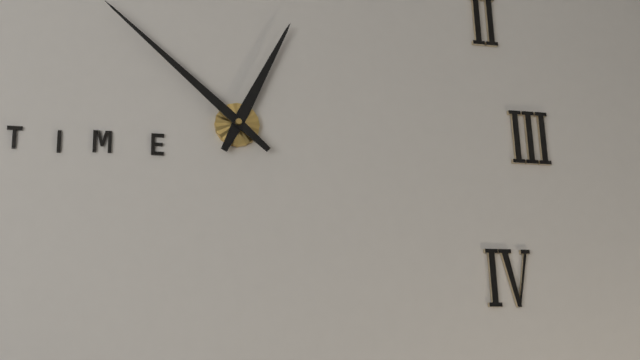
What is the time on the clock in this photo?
12:52
